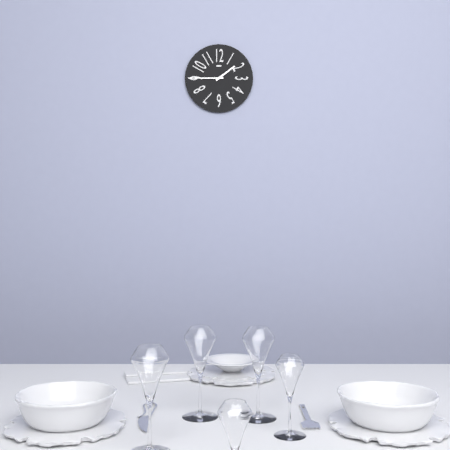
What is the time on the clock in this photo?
1:45
